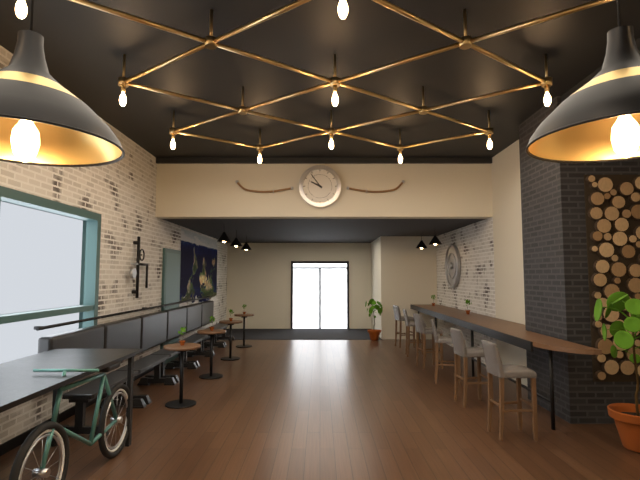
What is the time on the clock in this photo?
9:54
